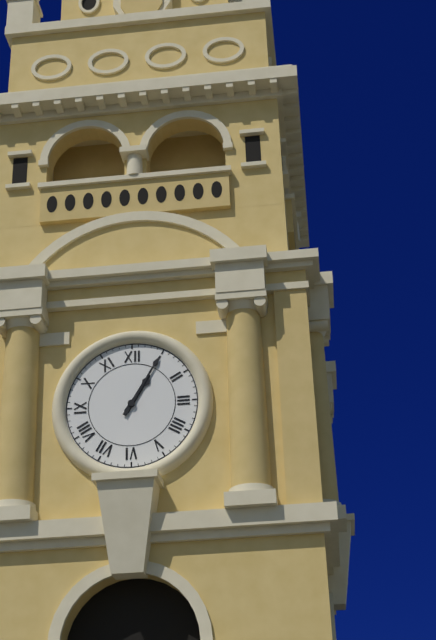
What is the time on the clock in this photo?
1:05
